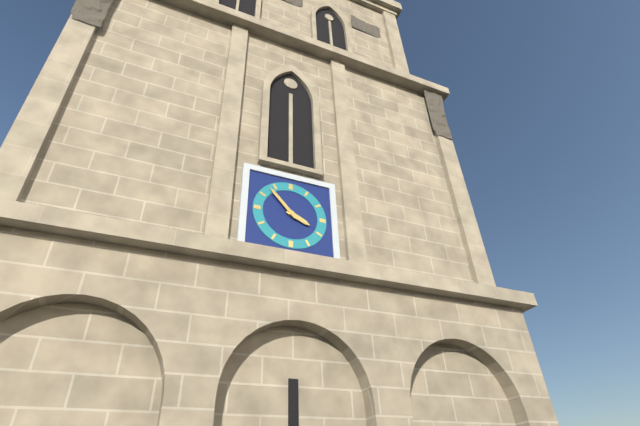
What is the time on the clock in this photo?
3:53
